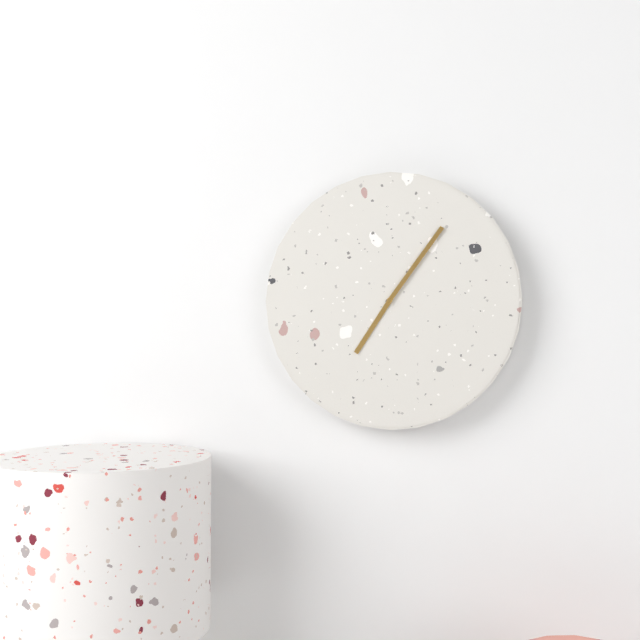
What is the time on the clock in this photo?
7:06
